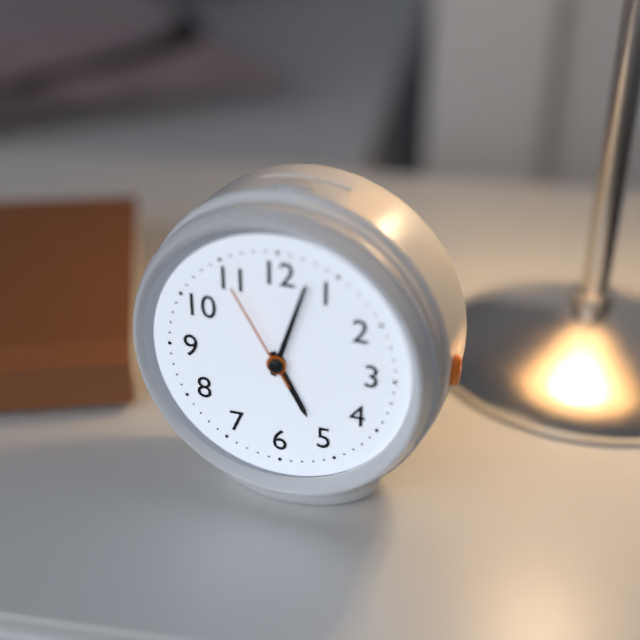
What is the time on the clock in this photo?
5:03:55
